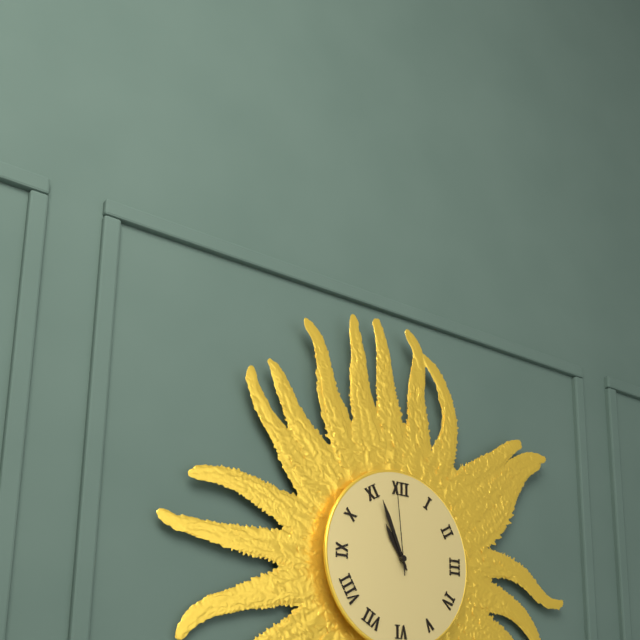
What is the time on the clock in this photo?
10:56:59
